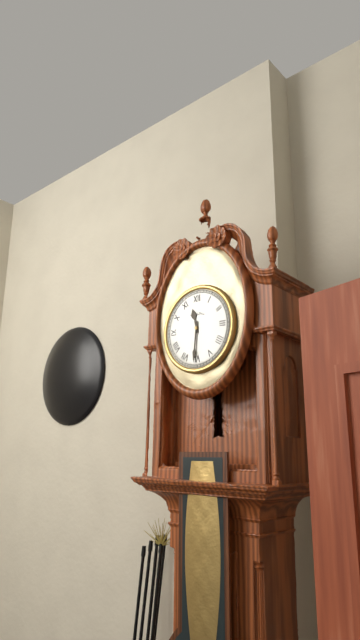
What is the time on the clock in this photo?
11:31
